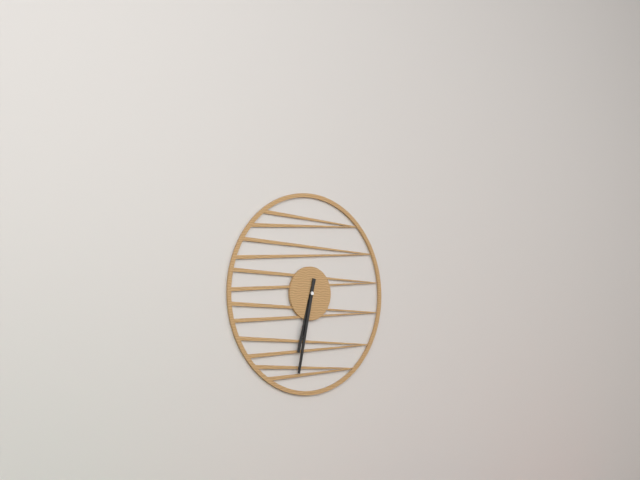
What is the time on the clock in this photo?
6:32
